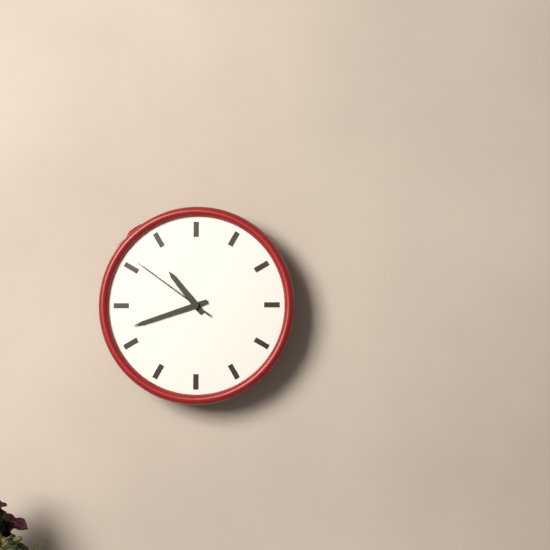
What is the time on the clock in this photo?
10:42:51
